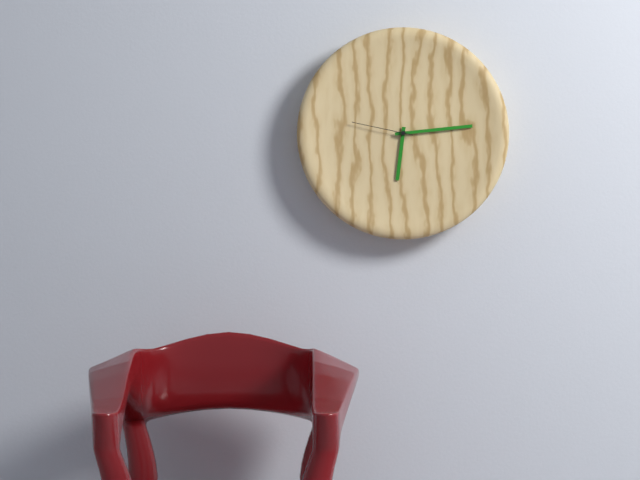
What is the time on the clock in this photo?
6:14:47
